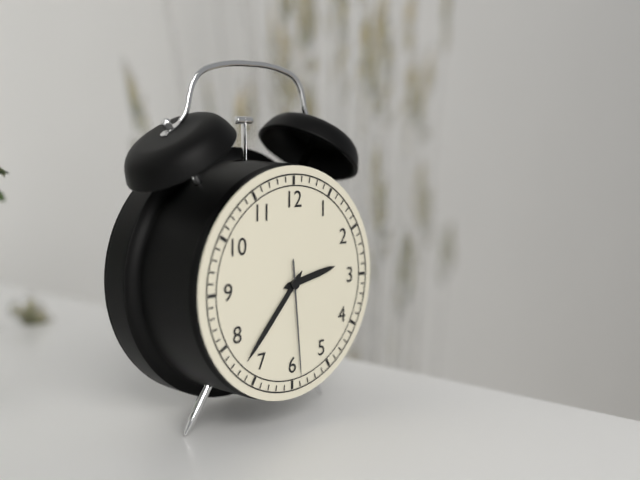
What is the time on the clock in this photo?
2:37:29
